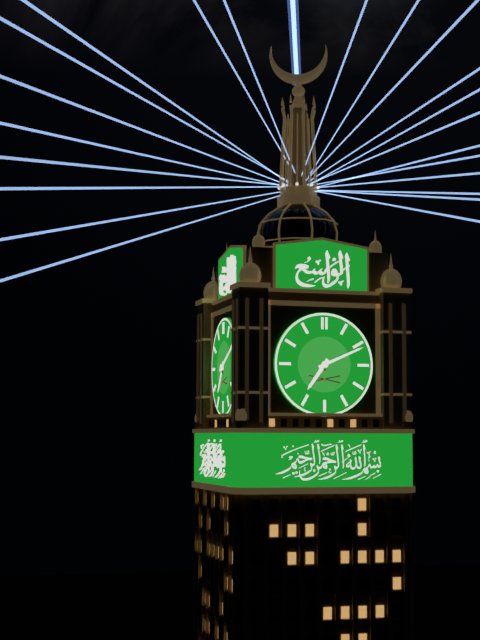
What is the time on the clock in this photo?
7:11
